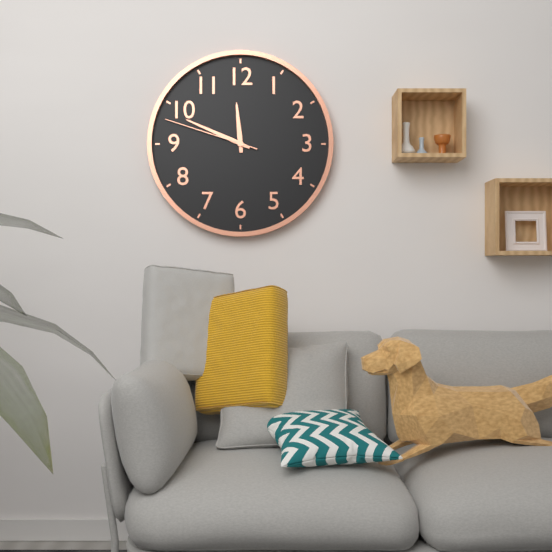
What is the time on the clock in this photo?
11:49:48
